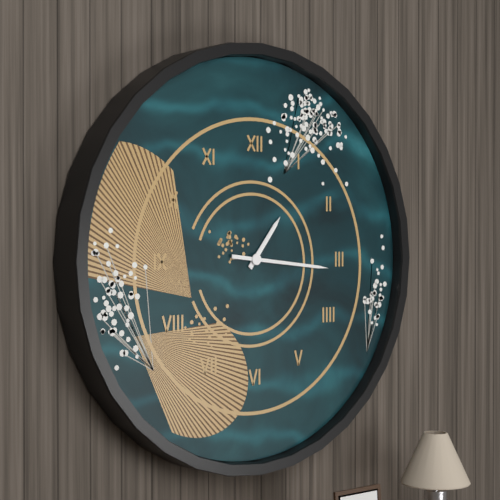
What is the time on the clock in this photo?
1:16
